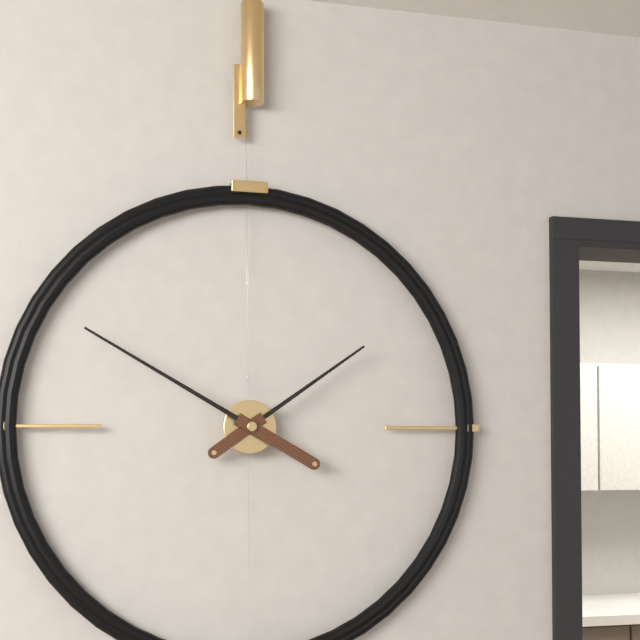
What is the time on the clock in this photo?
1:50
